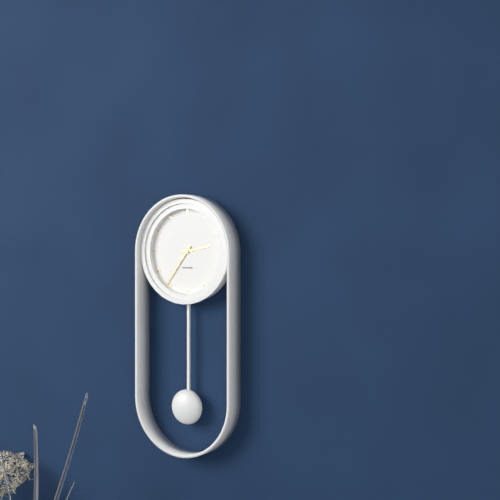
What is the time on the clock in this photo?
2:36
